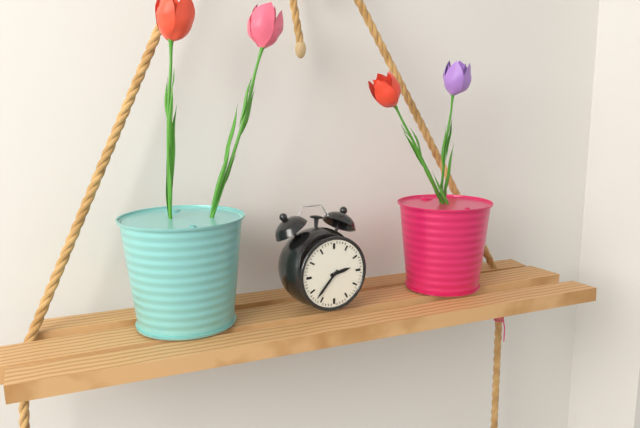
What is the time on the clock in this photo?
2:37
